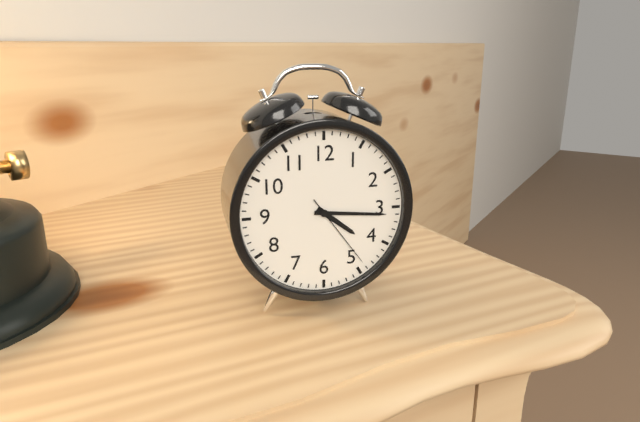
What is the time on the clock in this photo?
4:16:24
